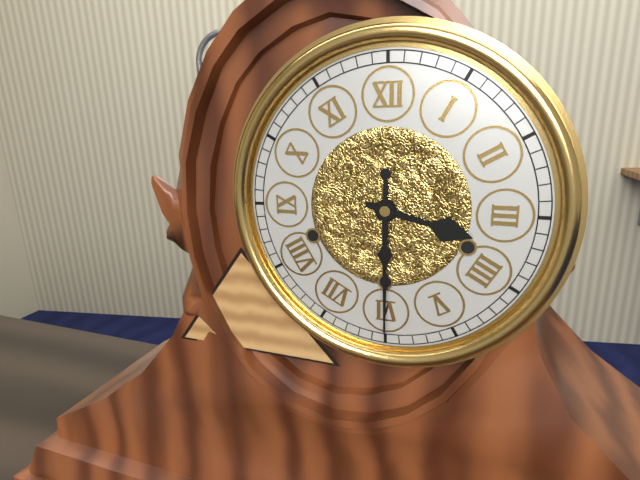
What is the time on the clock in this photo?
3:30
